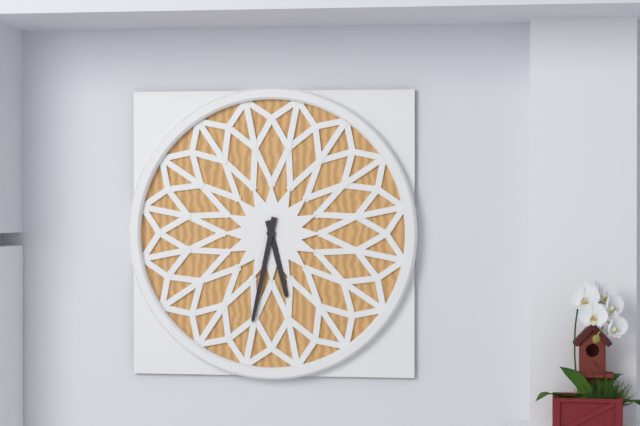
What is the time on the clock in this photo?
5:32
